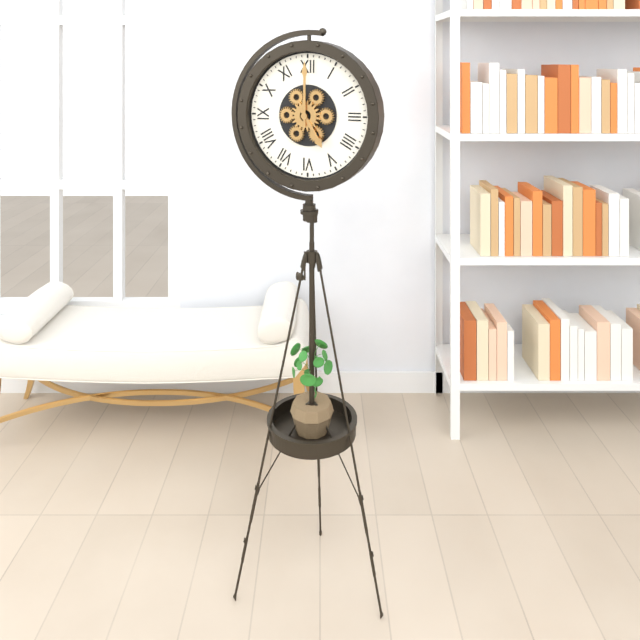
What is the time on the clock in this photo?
5:00
